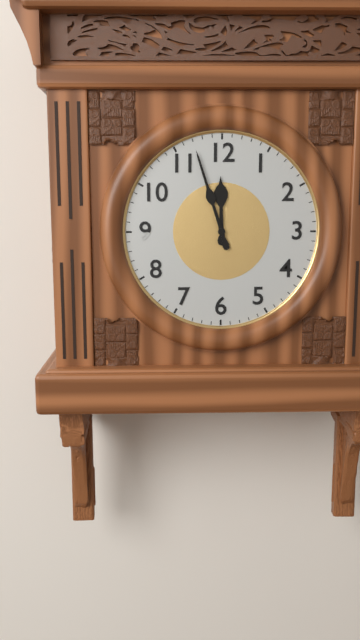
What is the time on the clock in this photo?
11:57
